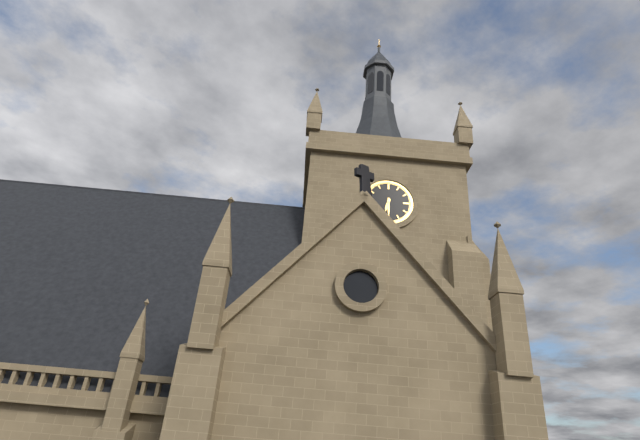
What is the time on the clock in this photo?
6:30
